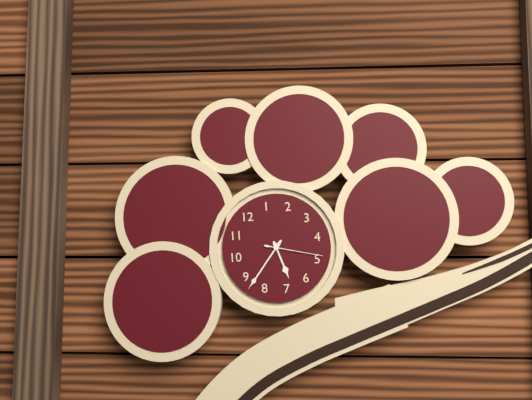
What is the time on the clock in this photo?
6:43:24
